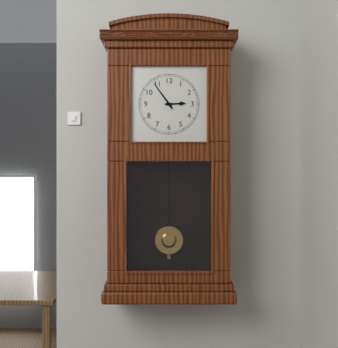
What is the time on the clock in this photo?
2:54
